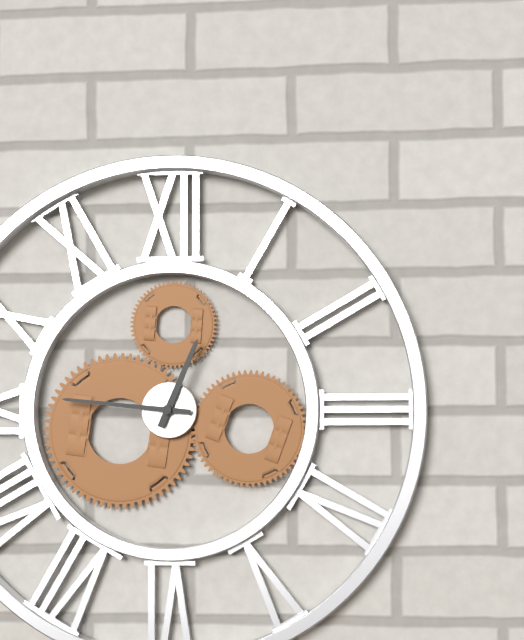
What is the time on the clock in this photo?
12:46
